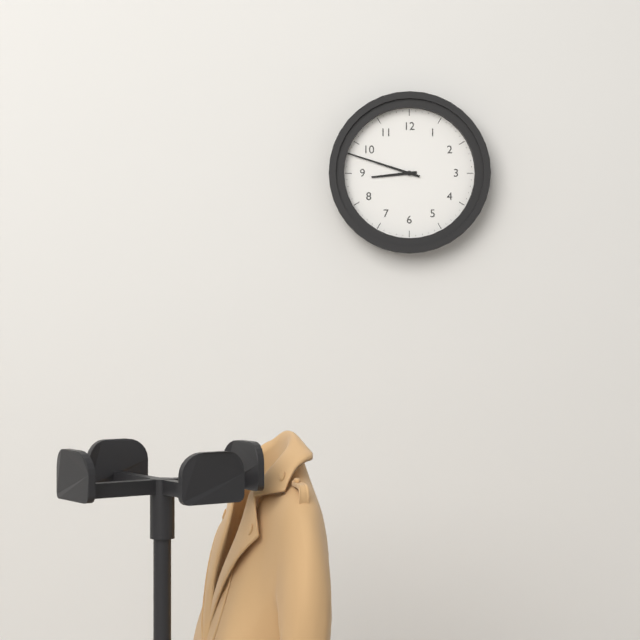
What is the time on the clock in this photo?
8:48
